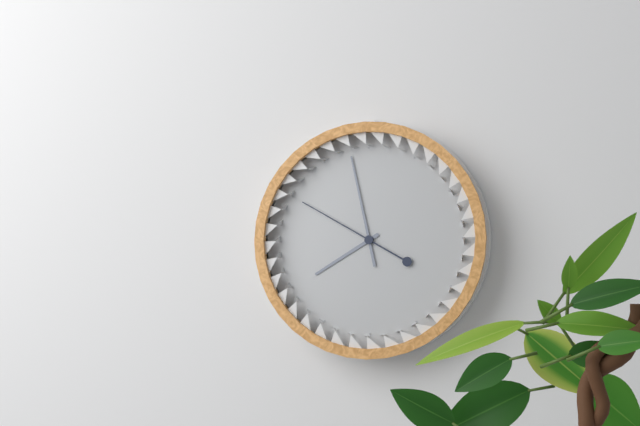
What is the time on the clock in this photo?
7:58:50
